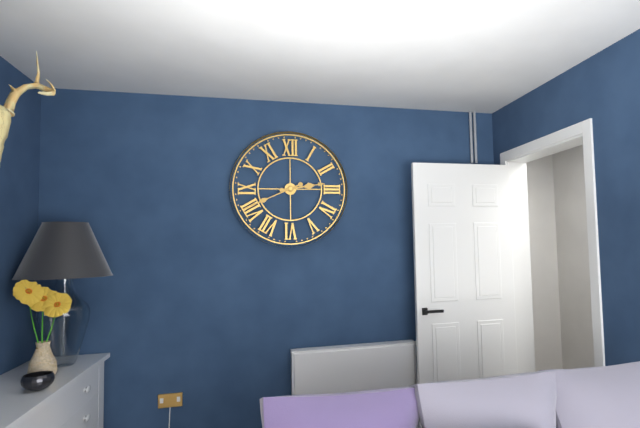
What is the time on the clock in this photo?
2:41
